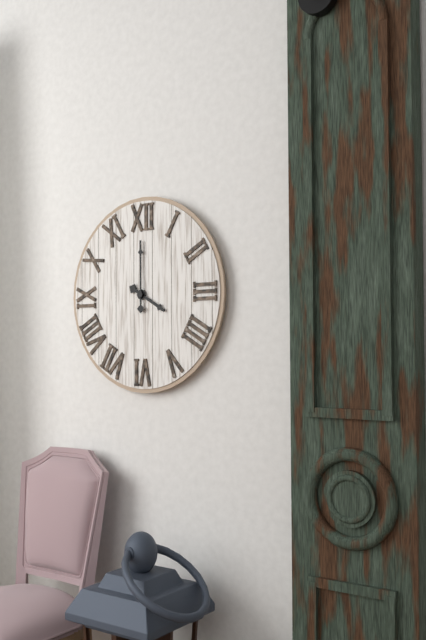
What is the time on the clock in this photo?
4:00
